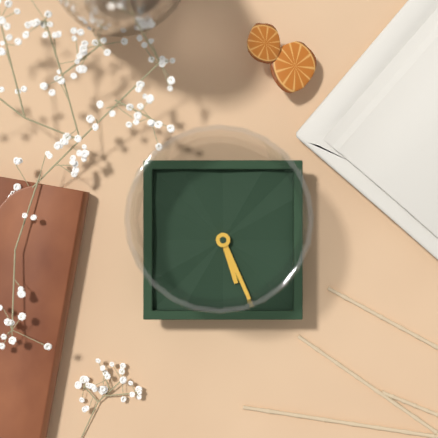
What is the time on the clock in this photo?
5:26
